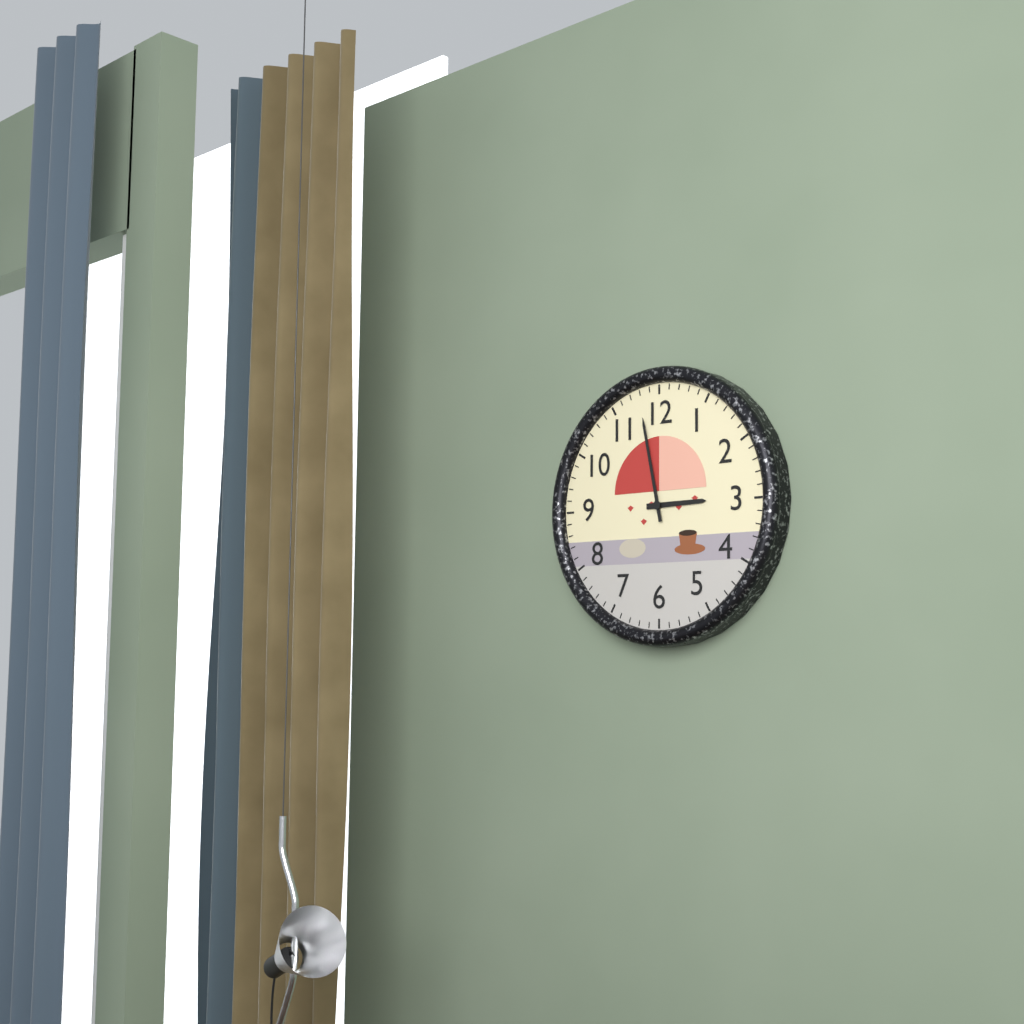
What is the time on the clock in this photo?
2:58
